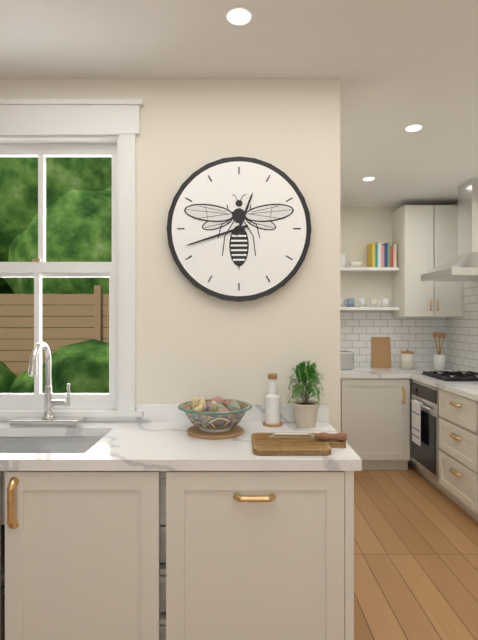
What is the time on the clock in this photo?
12:42
